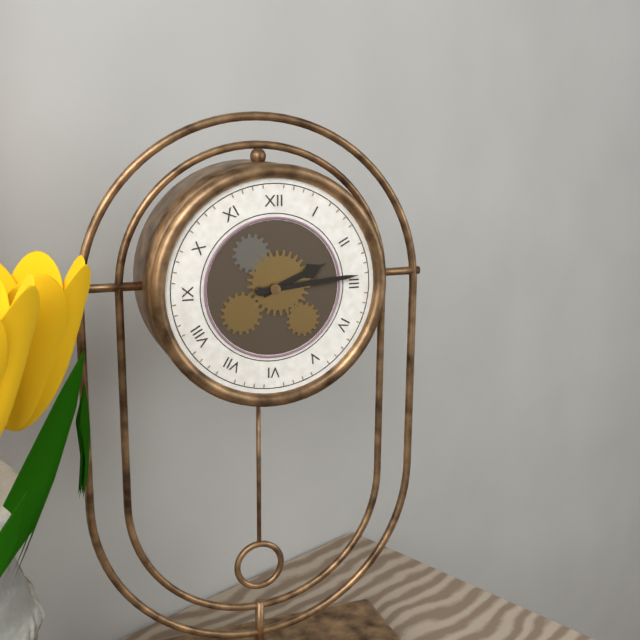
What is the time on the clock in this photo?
2:14
